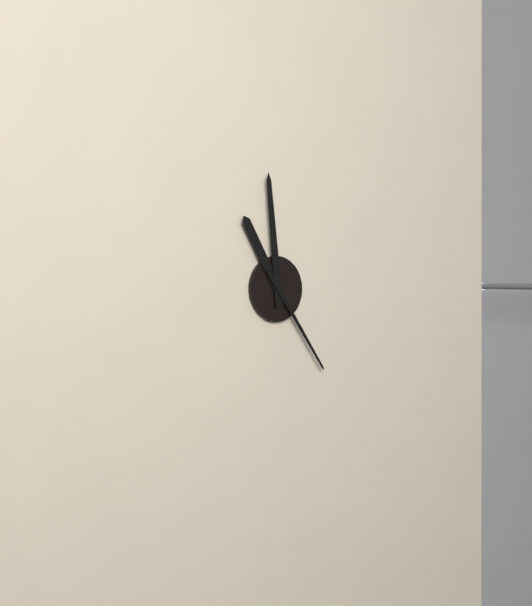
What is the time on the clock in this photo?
10:59:24
